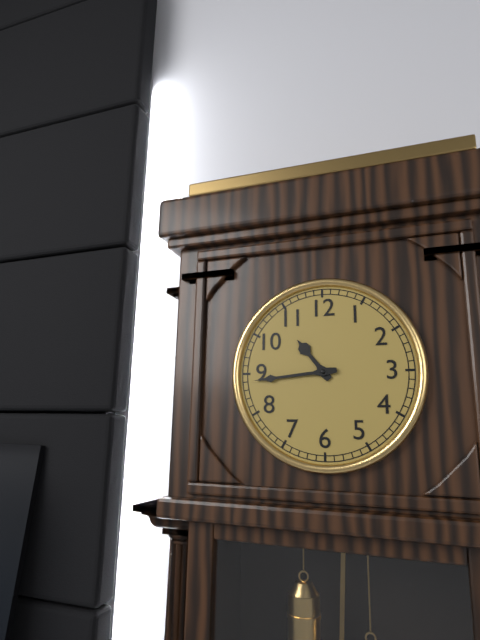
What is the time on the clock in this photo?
10:44
